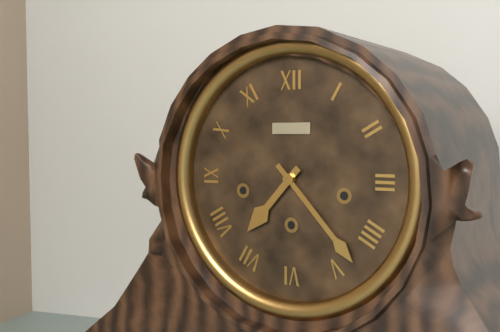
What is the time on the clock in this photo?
7:23
